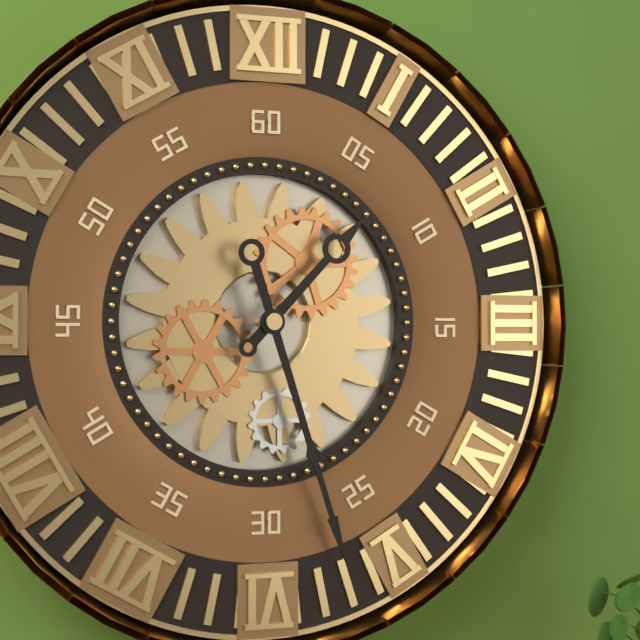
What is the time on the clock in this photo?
1:27
